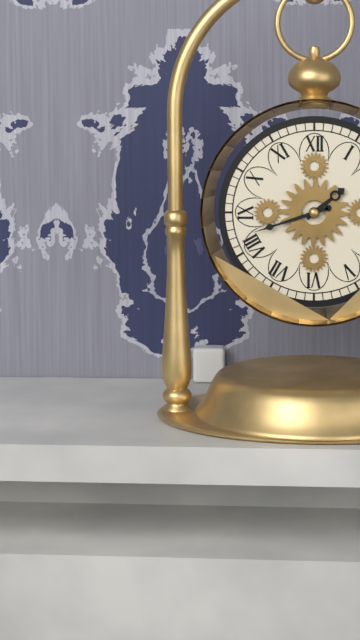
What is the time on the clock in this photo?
1:42
